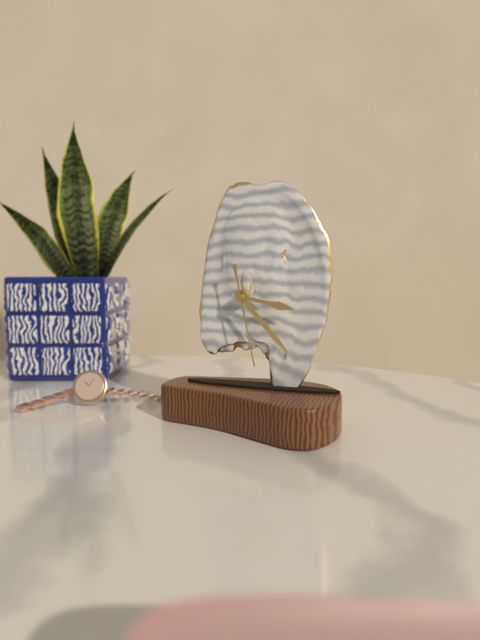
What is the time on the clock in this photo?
3:23:28
